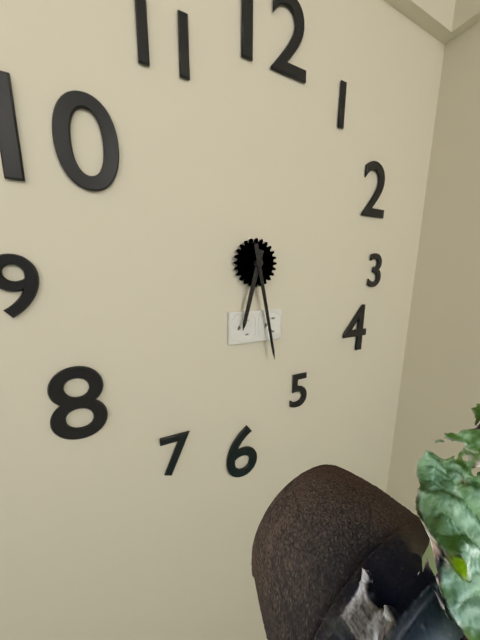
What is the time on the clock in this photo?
6:28
